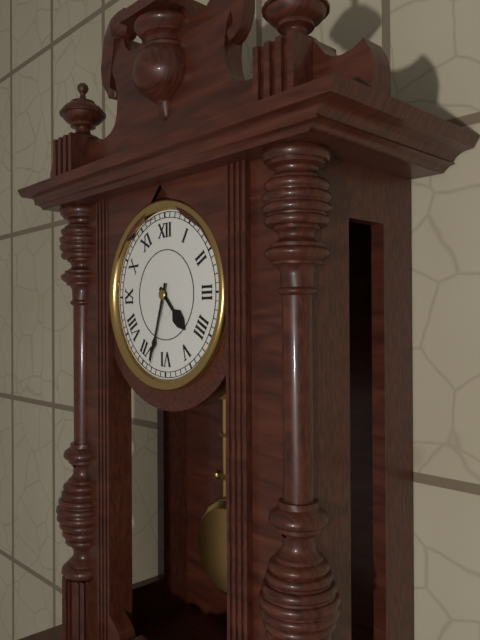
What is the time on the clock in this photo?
4:33
